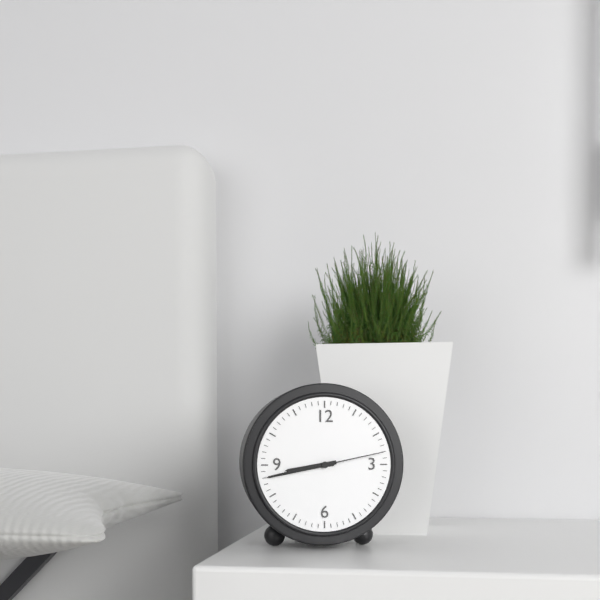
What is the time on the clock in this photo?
8:43:13
